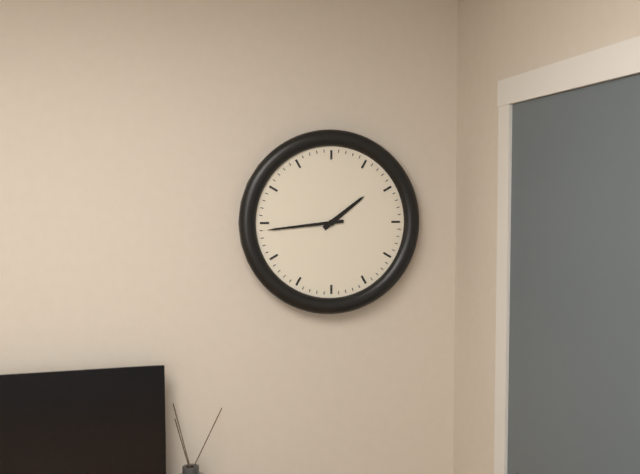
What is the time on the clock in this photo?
1:44
